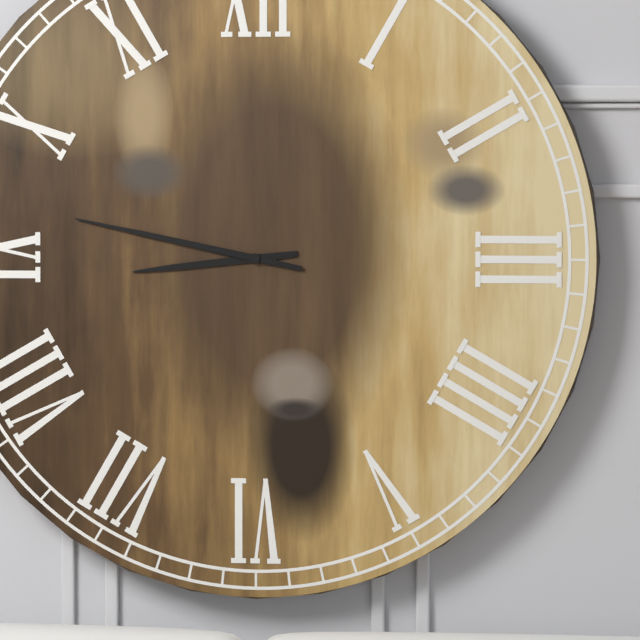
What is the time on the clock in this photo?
8:47
